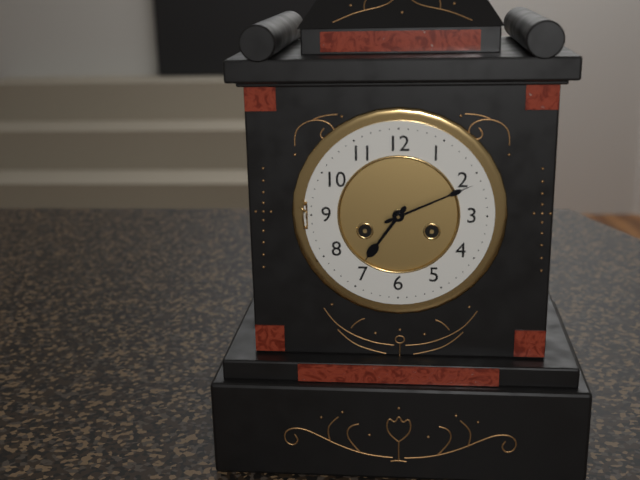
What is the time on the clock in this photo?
7:11
